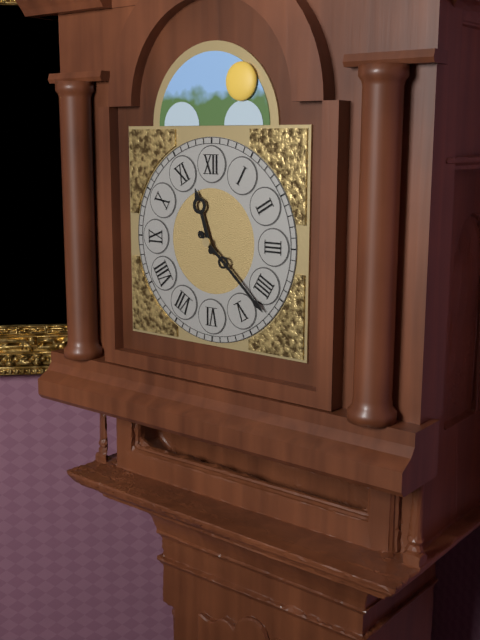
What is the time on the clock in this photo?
11:22
